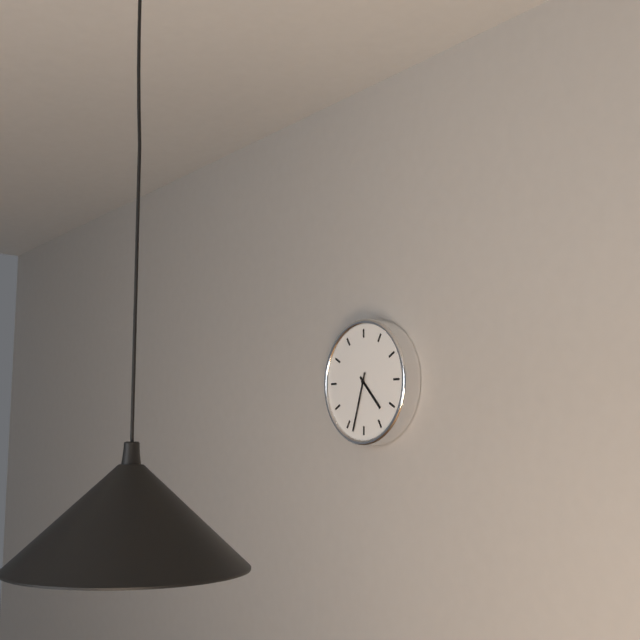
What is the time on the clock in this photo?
4:33
